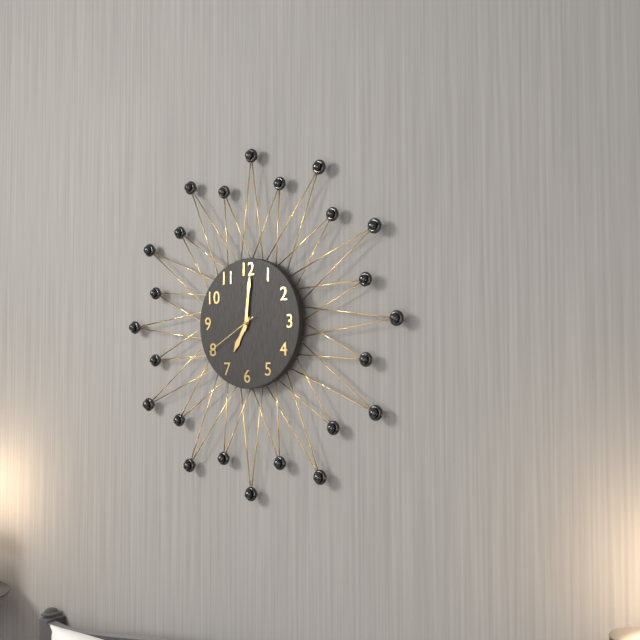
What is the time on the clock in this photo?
7:01:40
